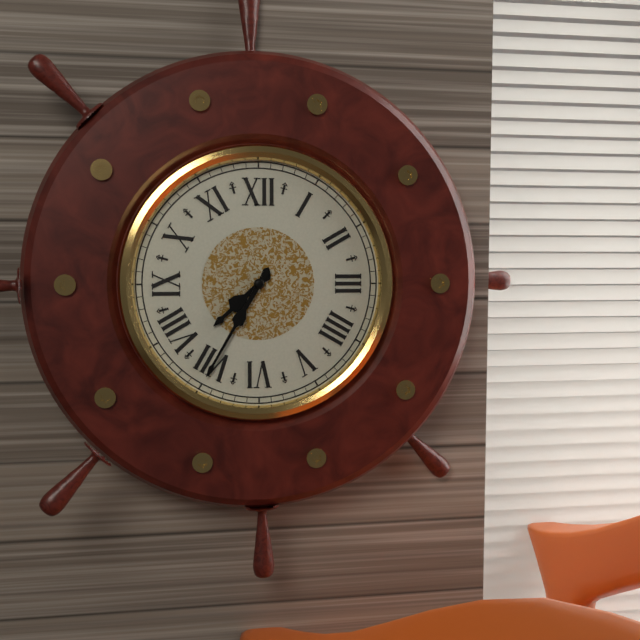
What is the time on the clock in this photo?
7:35
